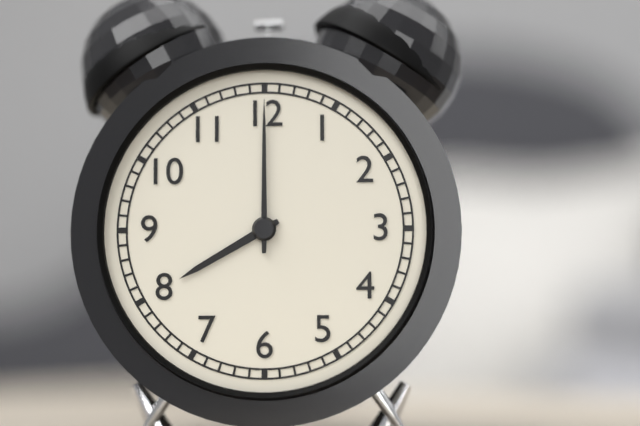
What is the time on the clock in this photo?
8:00
